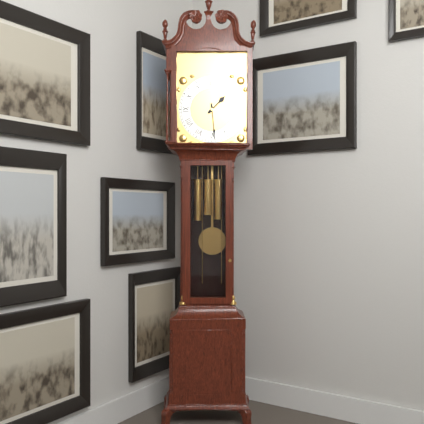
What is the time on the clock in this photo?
1:29
